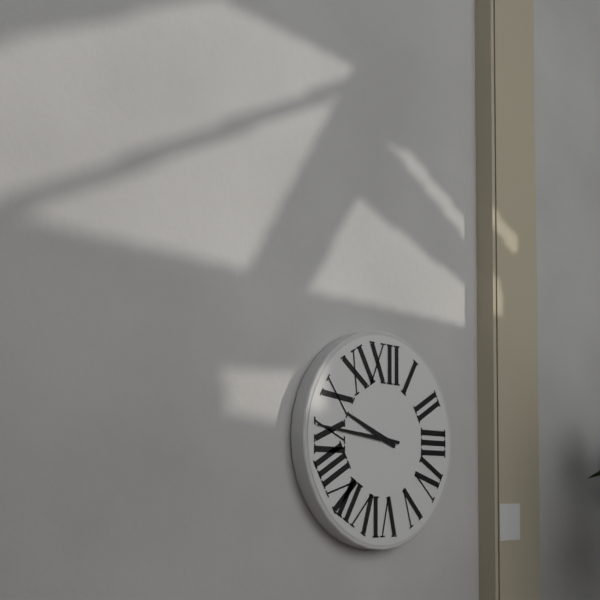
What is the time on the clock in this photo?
9:46
